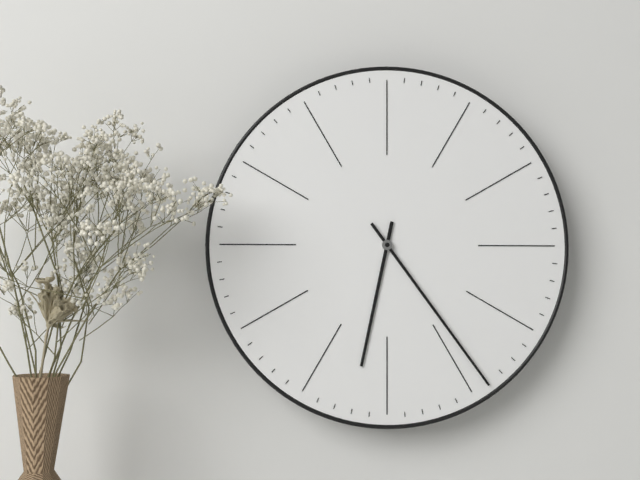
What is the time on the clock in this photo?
6:24
